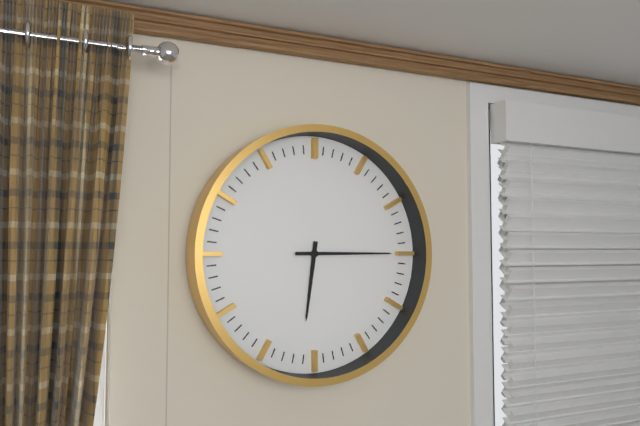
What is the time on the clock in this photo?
6:15
